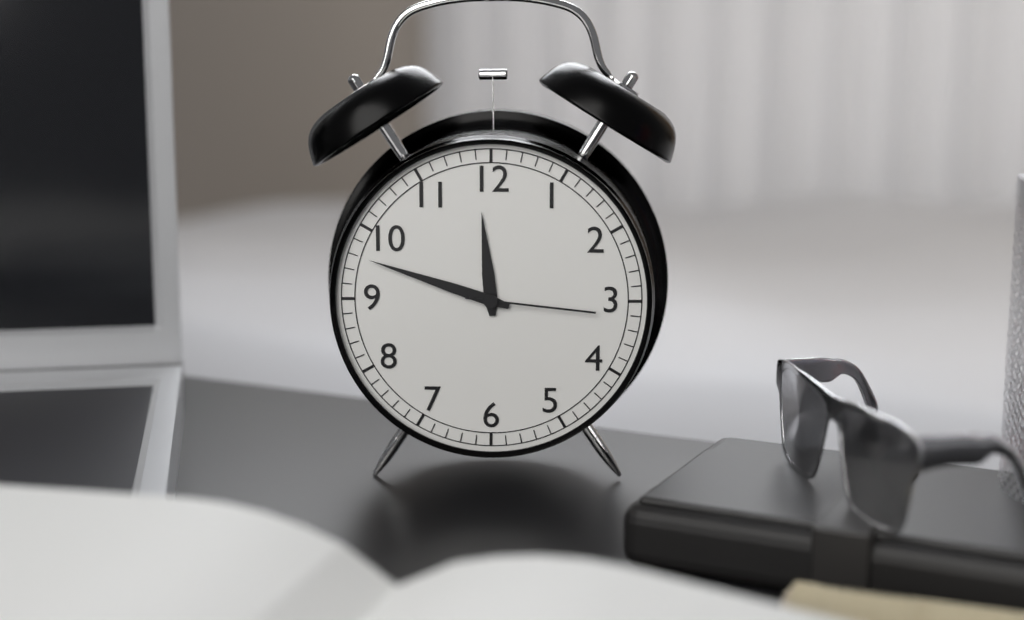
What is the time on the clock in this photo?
11:48:16
